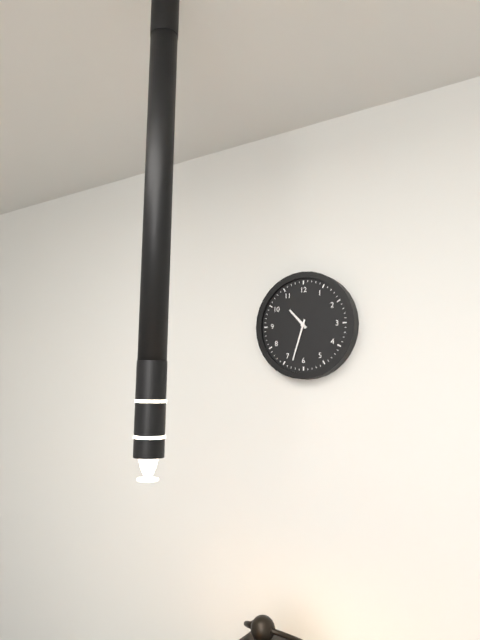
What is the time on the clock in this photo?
10:33
